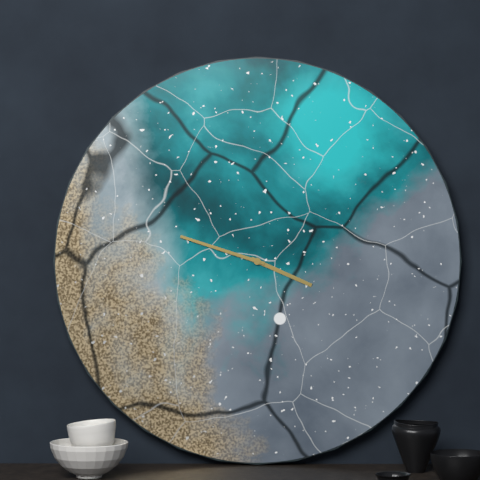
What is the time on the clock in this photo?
3:48
